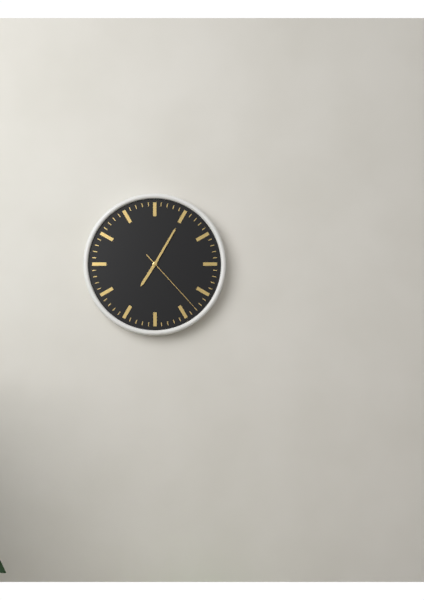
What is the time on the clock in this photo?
7:05:23
